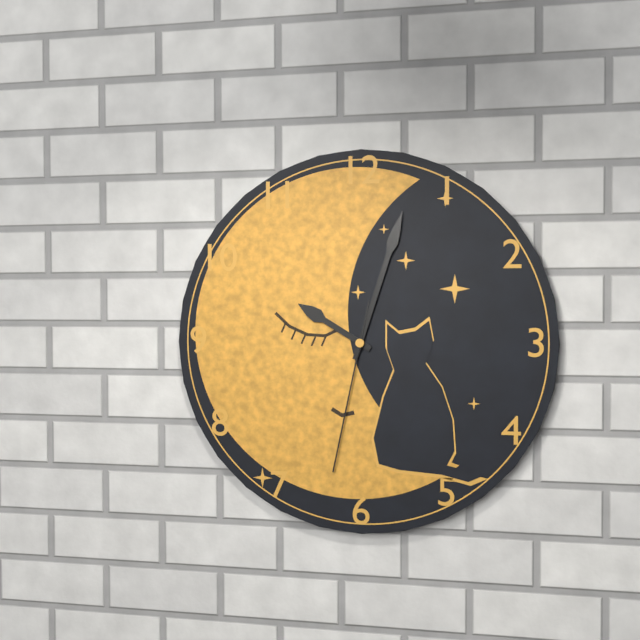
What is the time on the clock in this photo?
10:03:32
